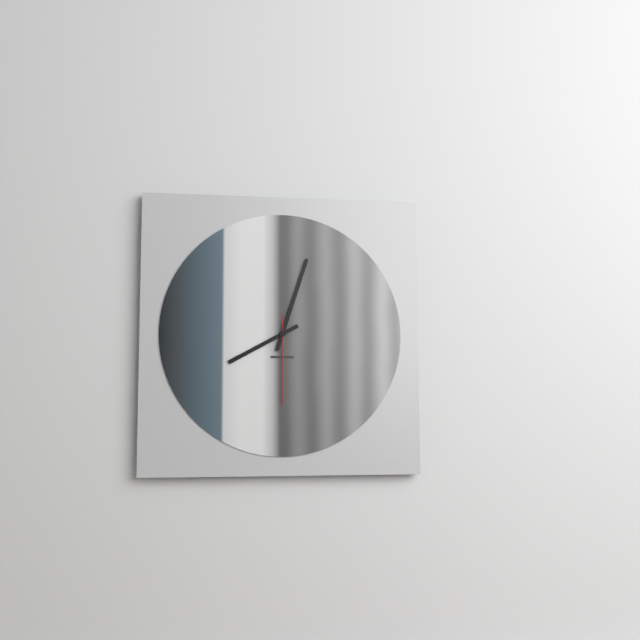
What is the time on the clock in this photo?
8:03:30
